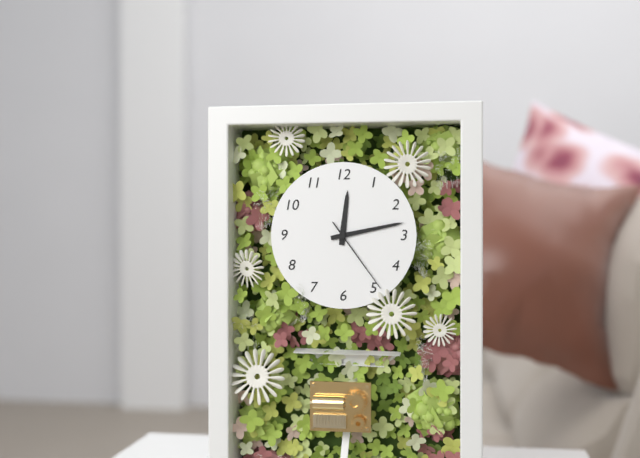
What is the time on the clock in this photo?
12:13:24
